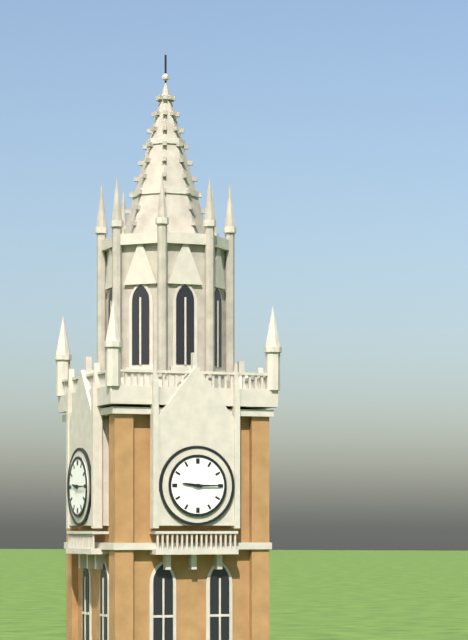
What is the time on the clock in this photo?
9:15
